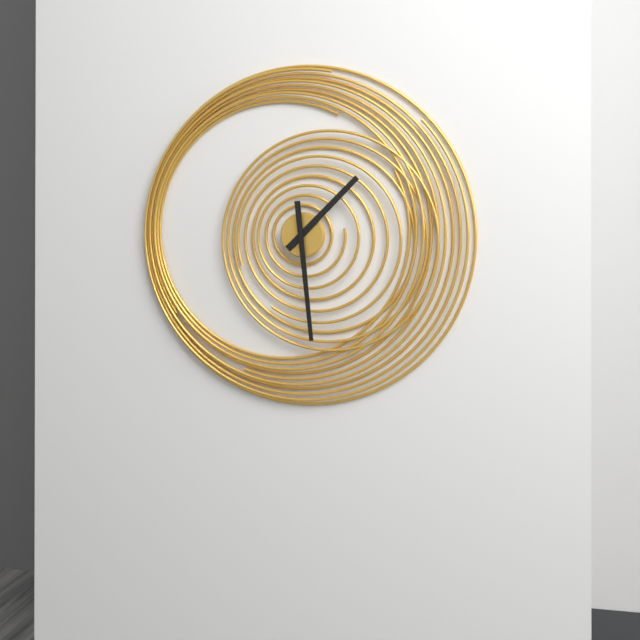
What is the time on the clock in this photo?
1:29
